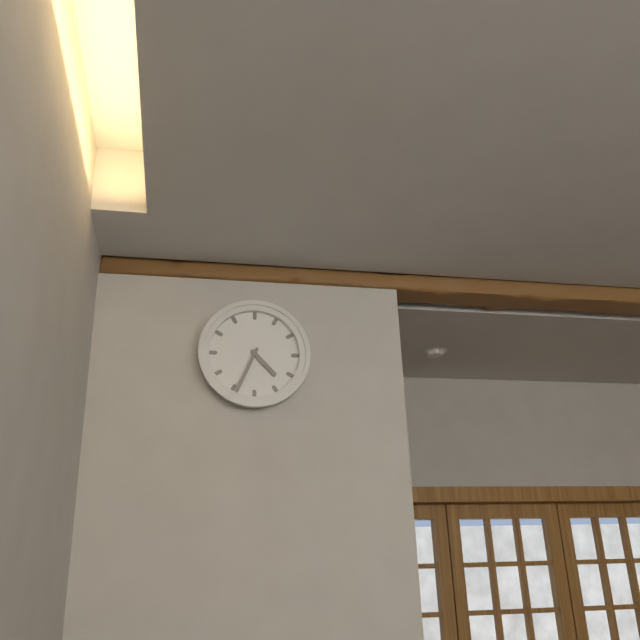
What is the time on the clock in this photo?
4:34
